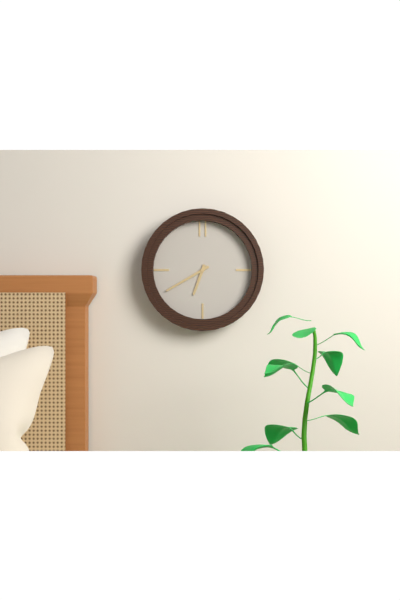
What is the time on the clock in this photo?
6:40
